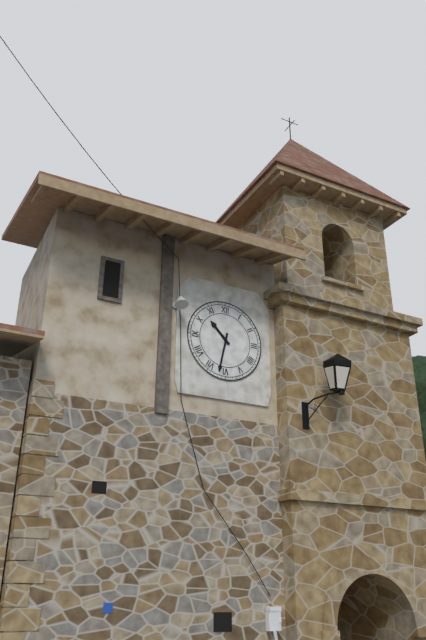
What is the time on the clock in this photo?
10:32
